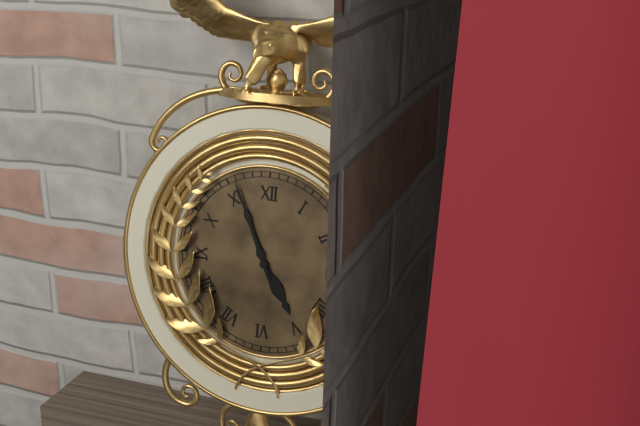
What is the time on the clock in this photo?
4:56
